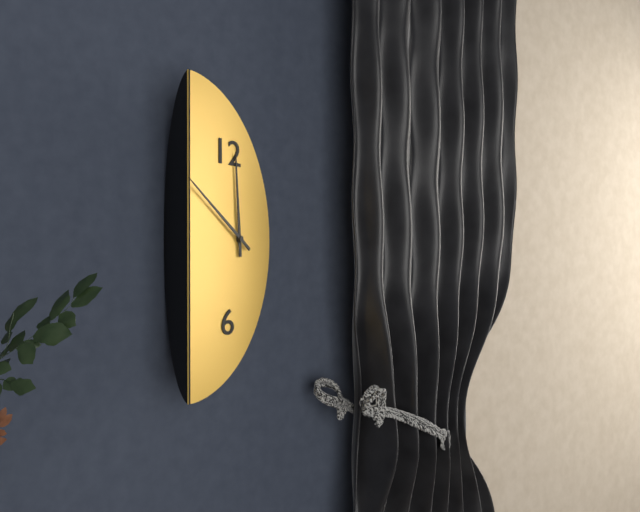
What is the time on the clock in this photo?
11:50
